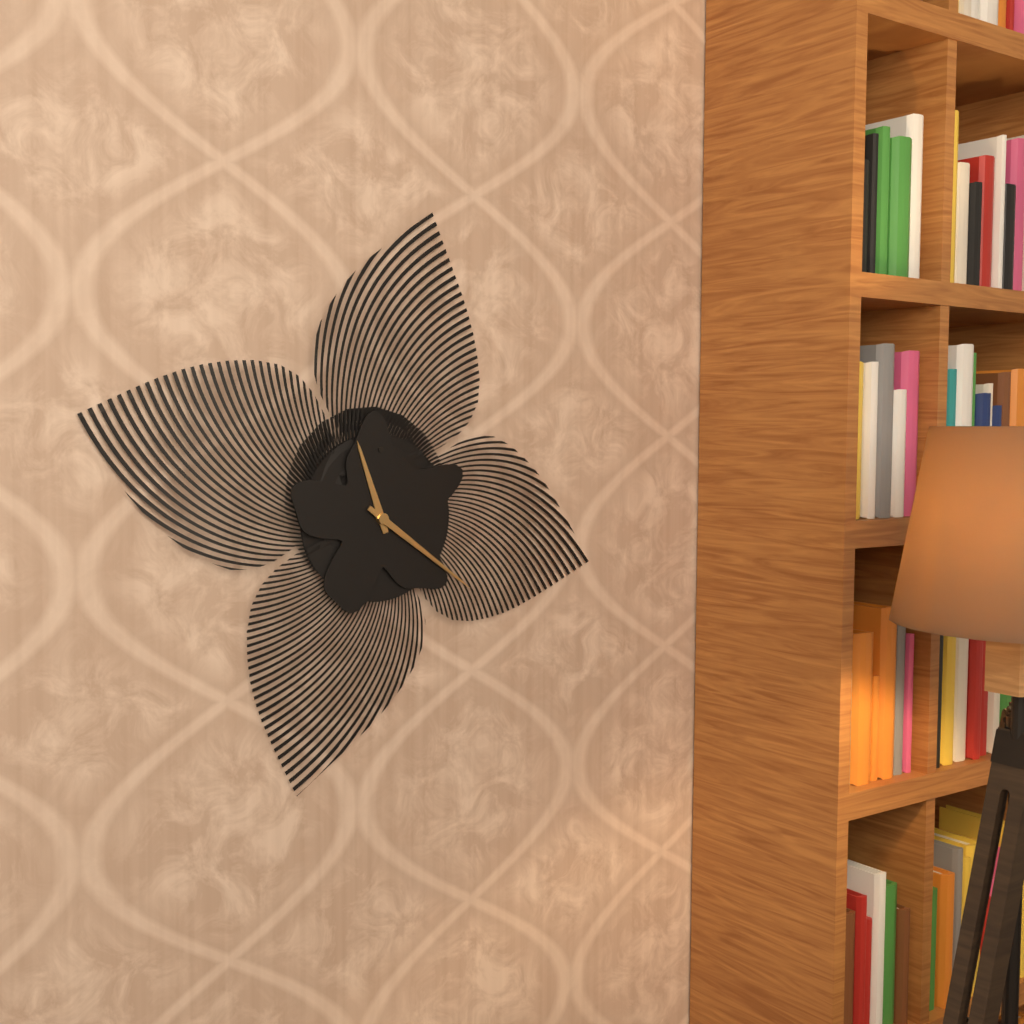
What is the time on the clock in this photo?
11:21
